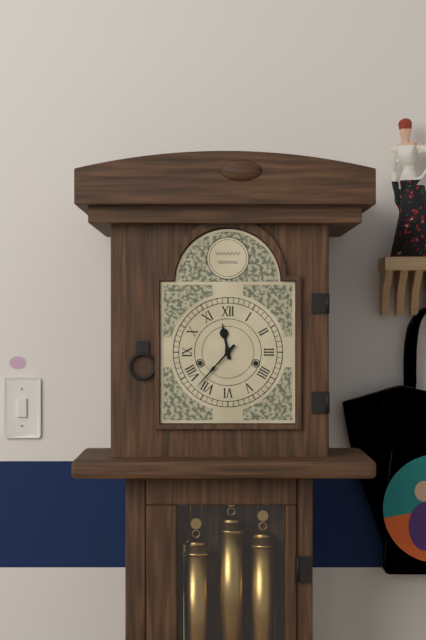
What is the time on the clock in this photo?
11:37
